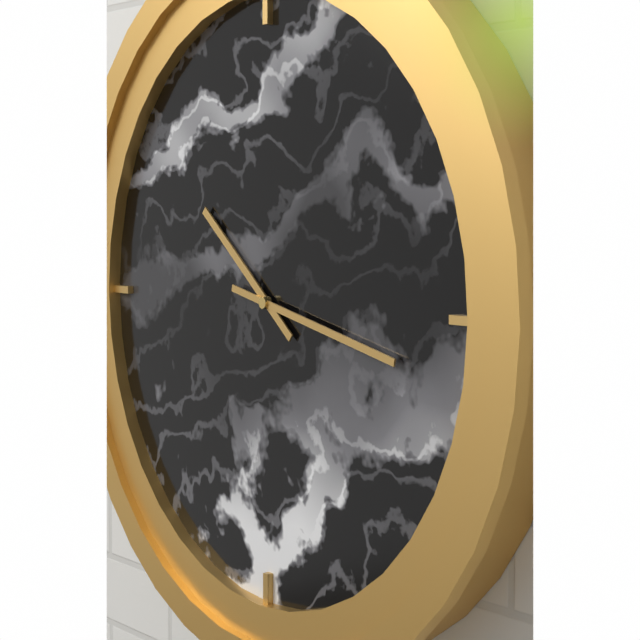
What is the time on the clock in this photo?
10:17
